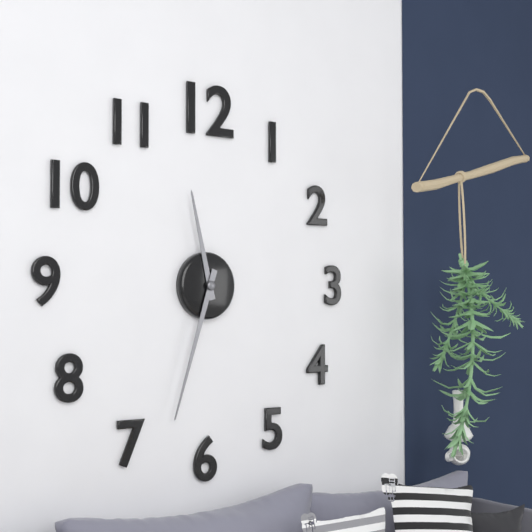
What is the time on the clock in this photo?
11:33
